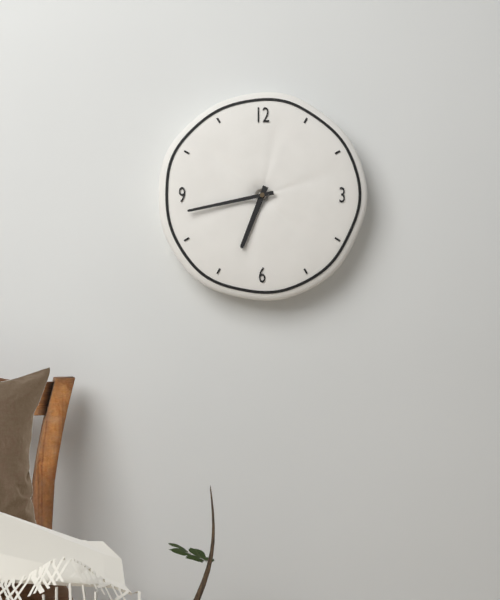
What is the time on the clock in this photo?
6:43
